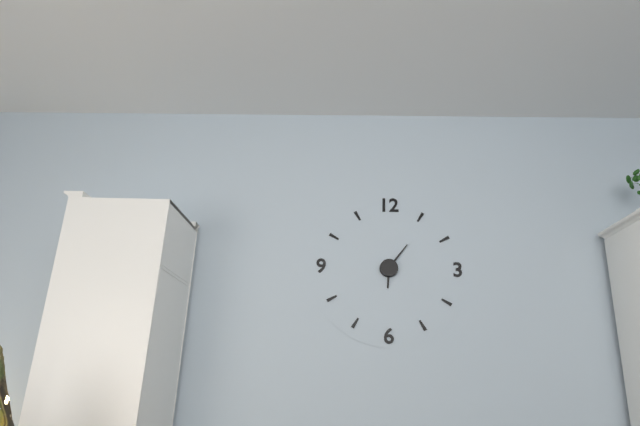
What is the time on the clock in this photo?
6:06
